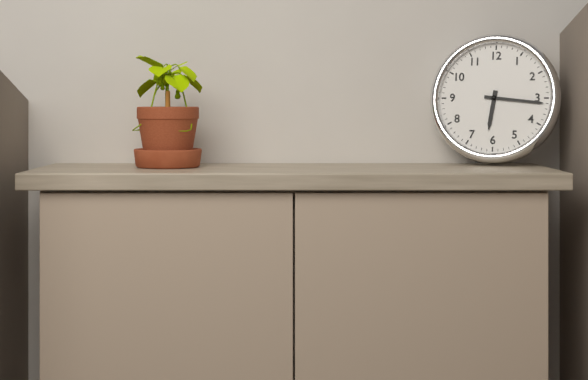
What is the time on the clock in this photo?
6:16
